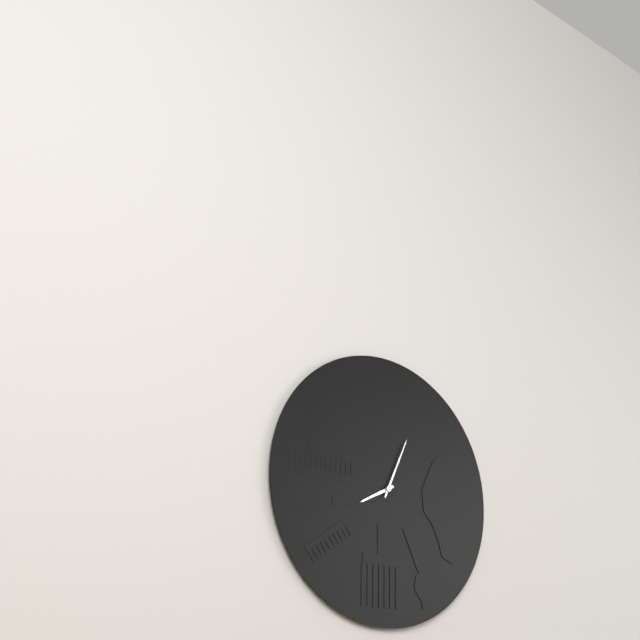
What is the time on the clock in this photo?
8:04
